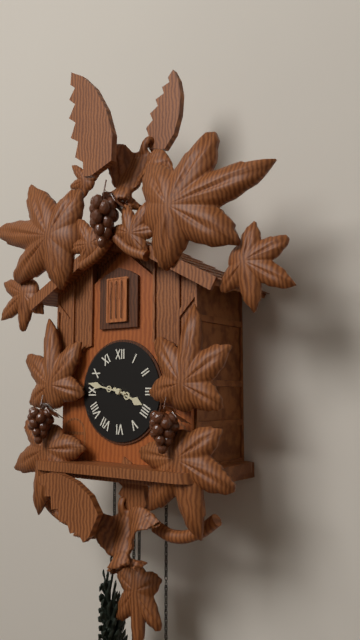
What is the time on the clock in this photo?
3:47
